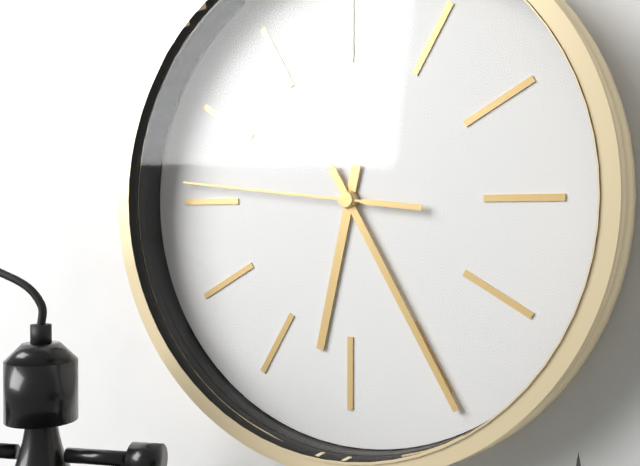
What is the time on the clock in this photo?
6:25:46
